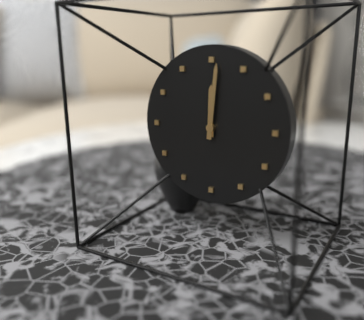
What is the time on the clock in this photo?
12:01
